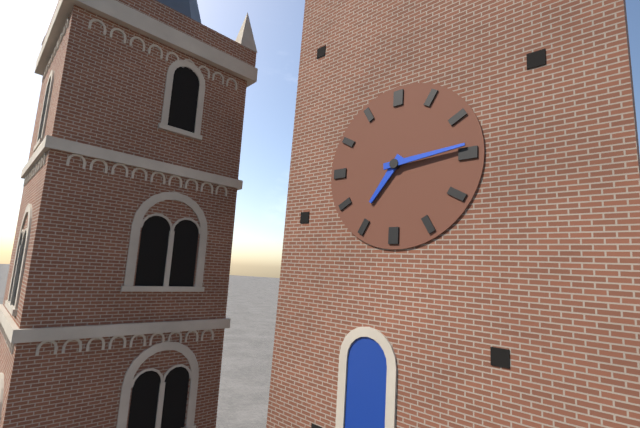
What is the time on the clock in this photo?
7:14
